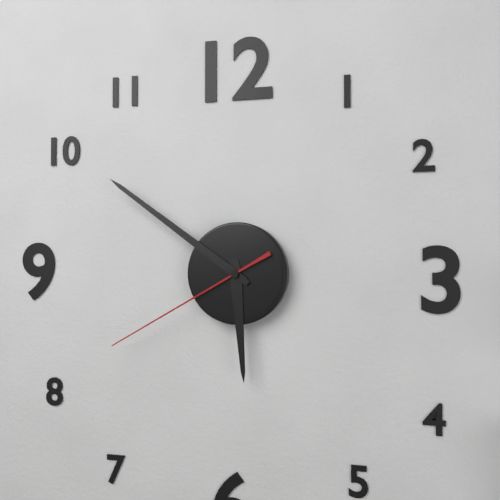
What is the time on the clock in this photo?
5:51:40
